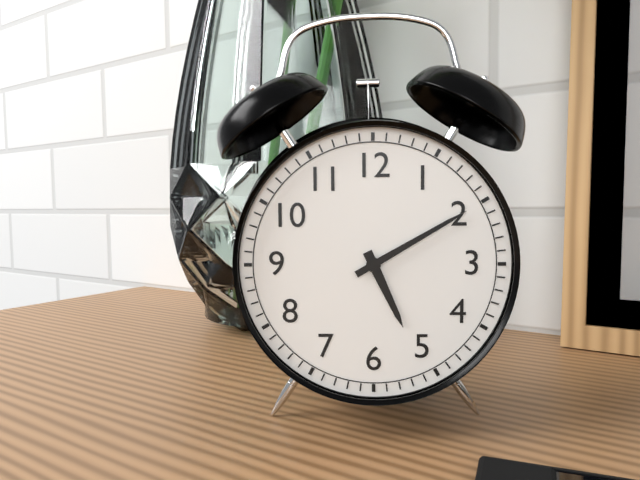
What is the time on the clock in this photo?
5:10
